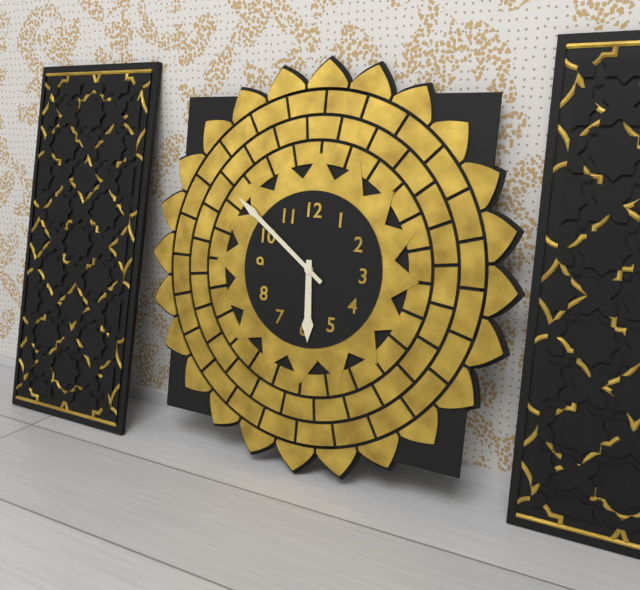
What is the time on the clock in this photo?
5:51
